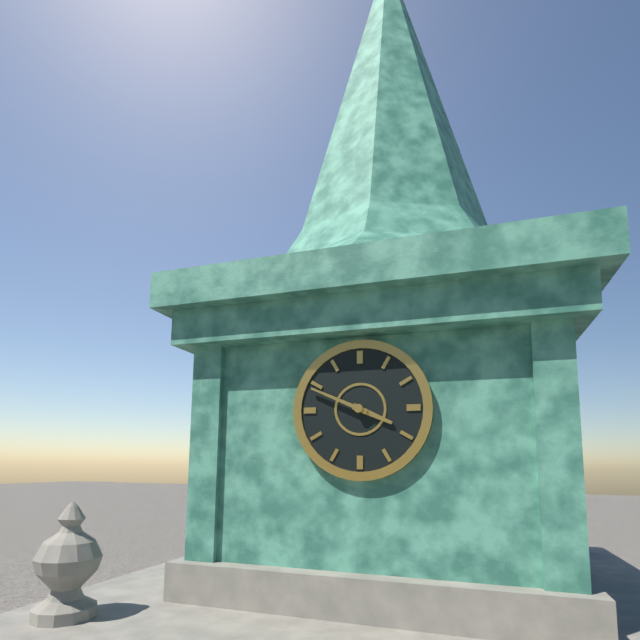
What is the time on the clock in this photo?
3:49
